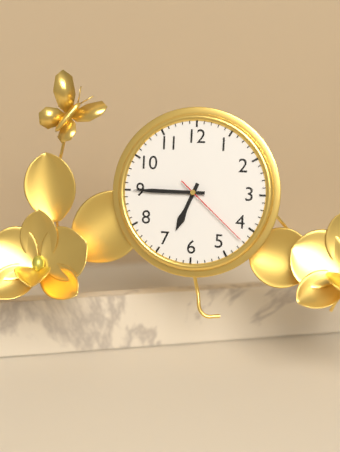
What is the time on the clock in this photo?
6:45:22
